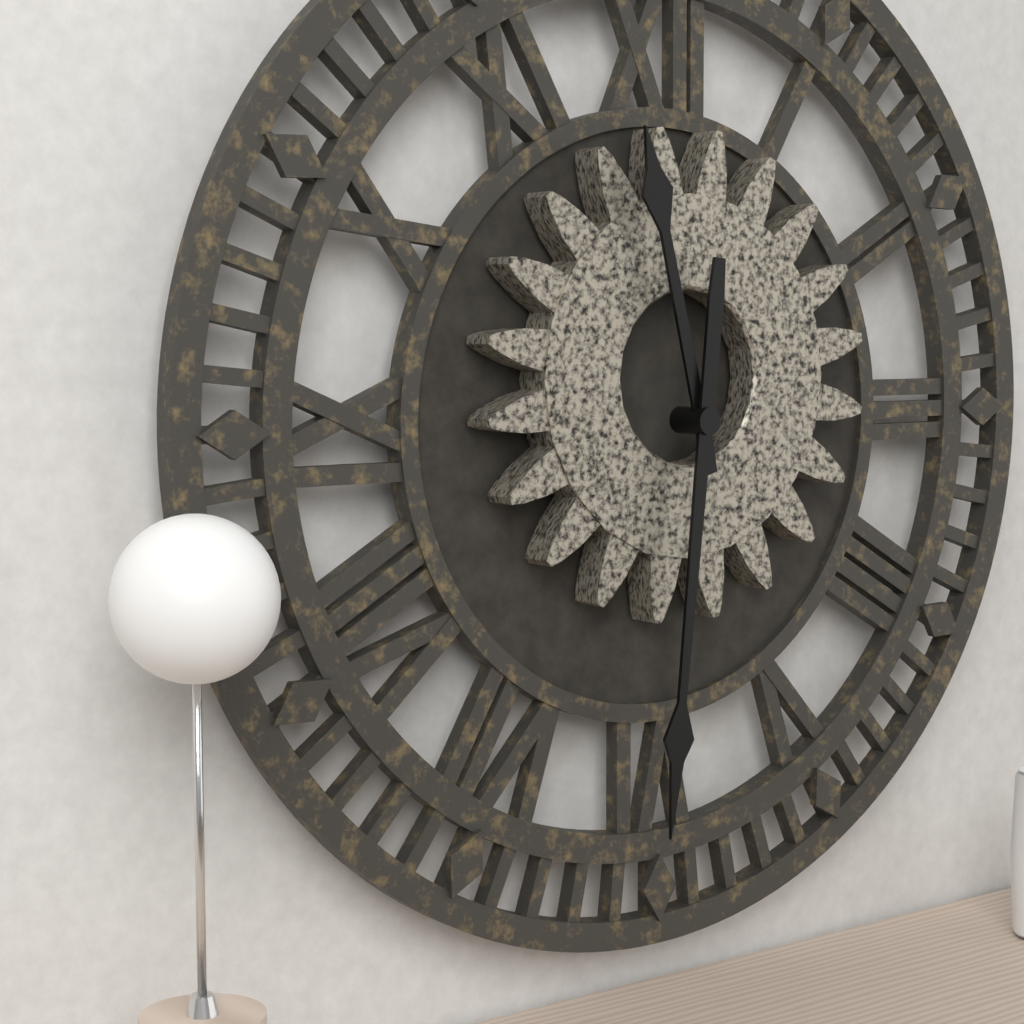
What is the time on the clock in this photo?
11:31
